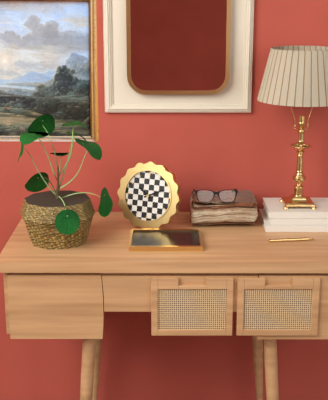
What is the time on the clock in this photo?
10:11
